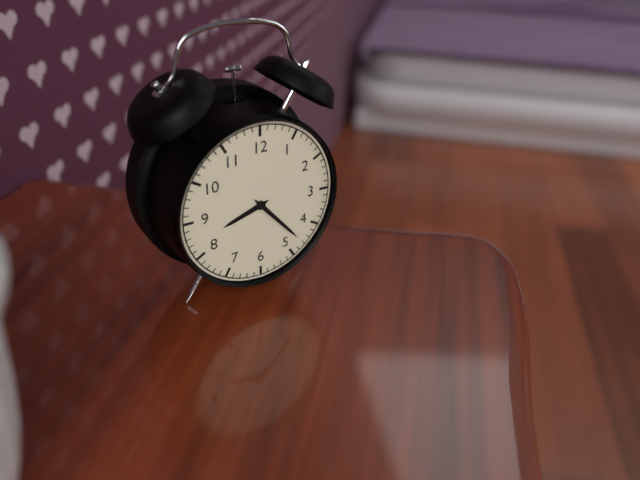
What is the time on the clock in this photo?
8:23
